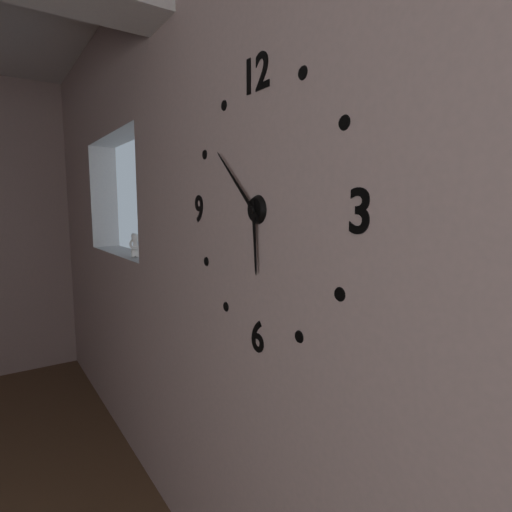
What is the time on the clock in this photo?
5:52
